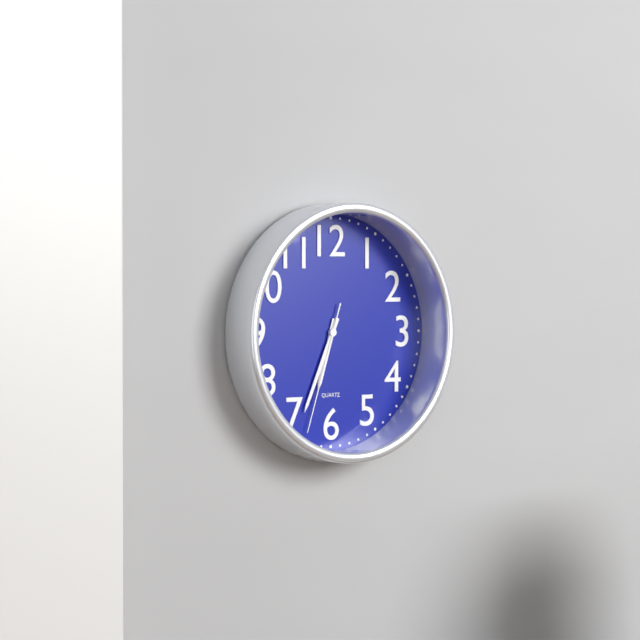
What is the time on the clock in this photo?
6:34:33
